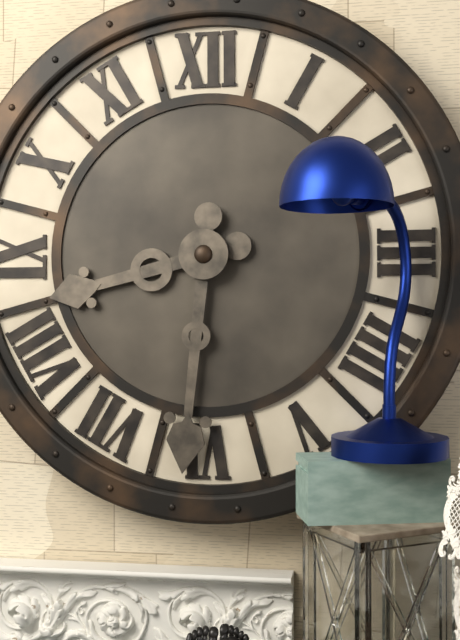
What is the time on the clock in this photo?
8:31
